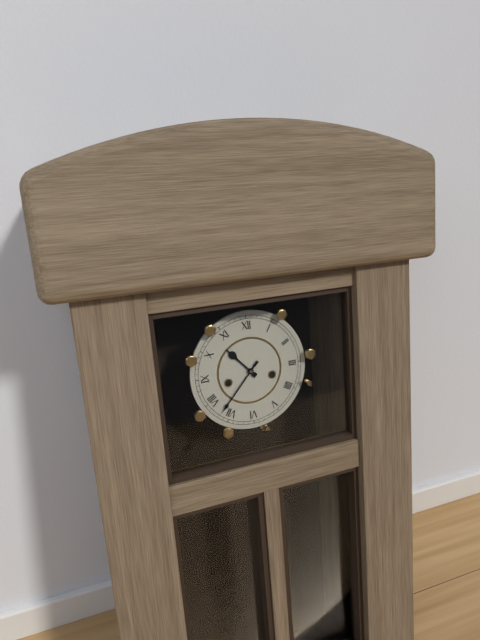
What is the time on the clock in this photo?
10:37
